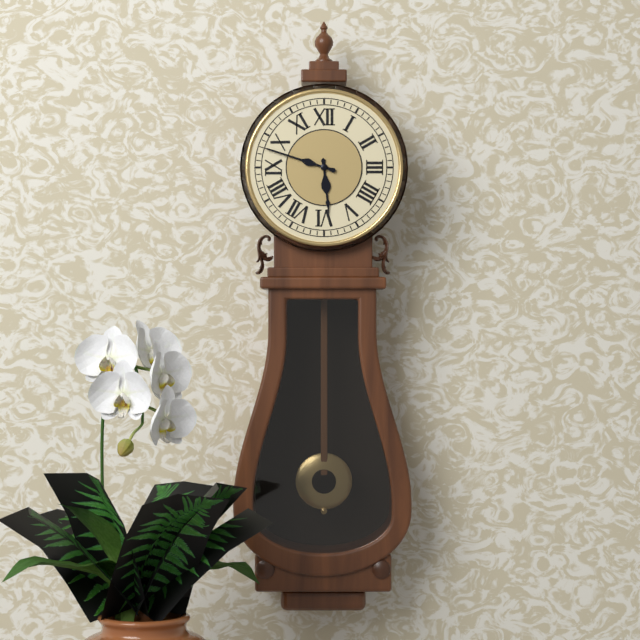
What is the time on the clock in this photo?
5:48
